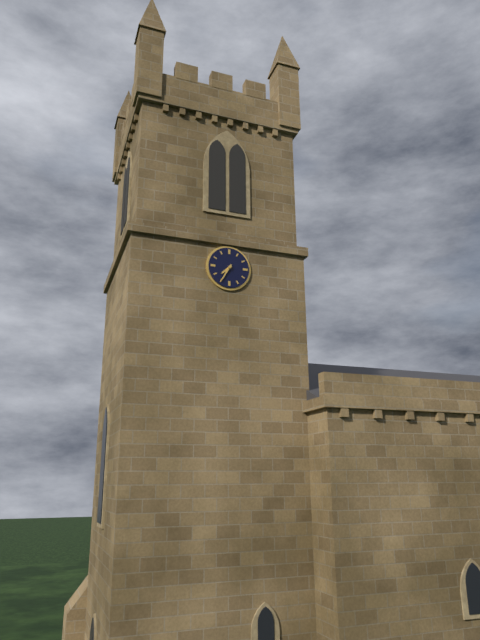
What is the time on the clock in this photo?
7:35
